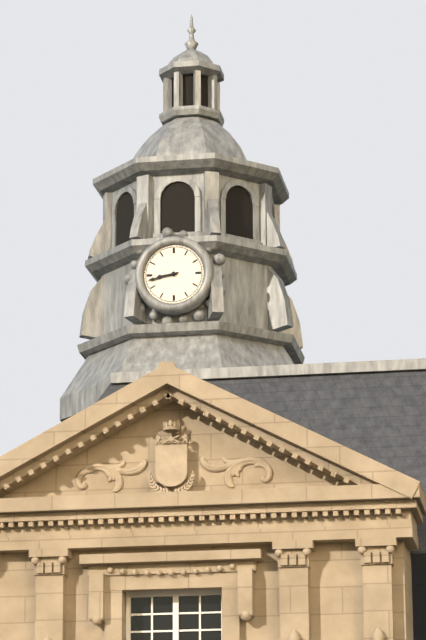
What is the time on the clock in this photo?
8:43
